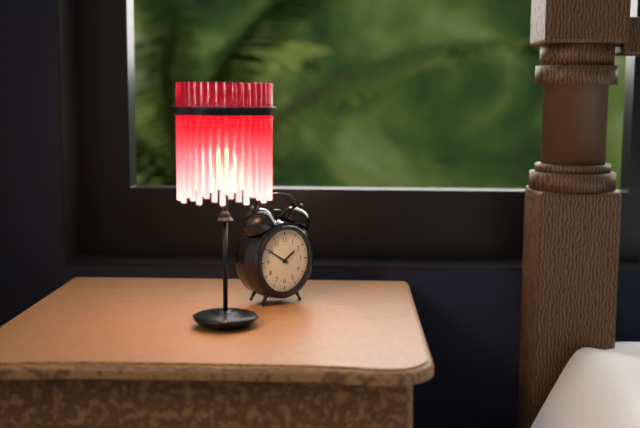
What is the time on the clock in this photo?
1:50
